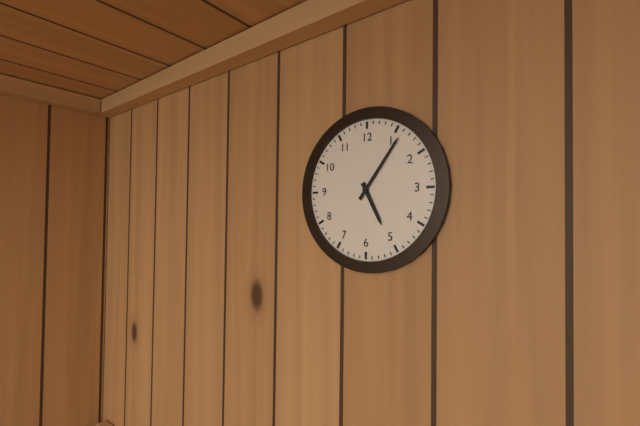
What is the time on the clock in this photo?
5:06
